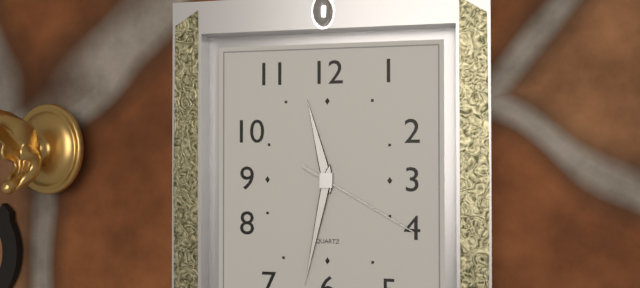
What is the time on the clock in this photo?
11:32:20
